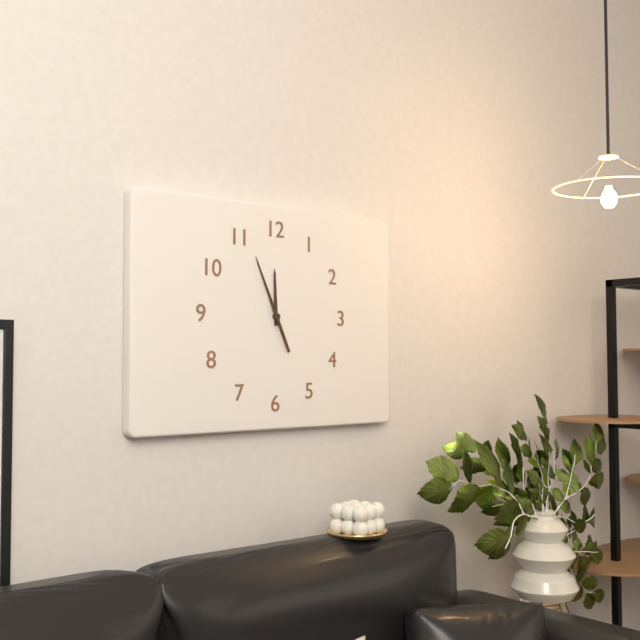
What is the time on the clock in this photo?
11:56
